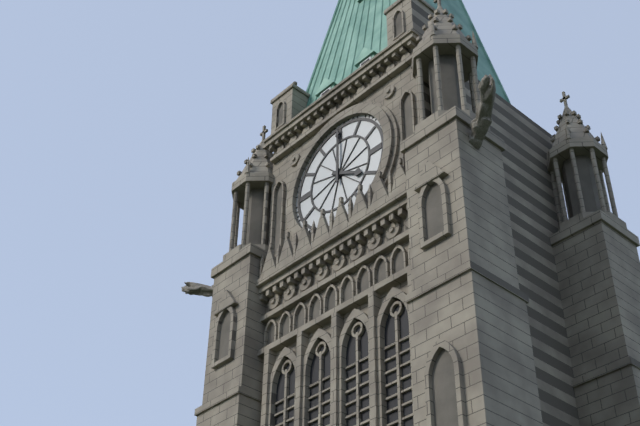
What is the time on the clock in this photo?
4:00
